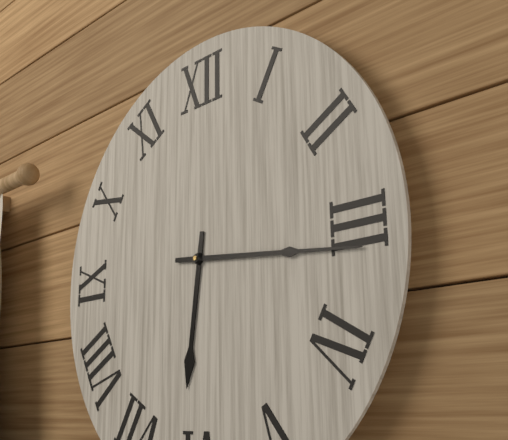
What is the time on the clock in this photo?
6:16
